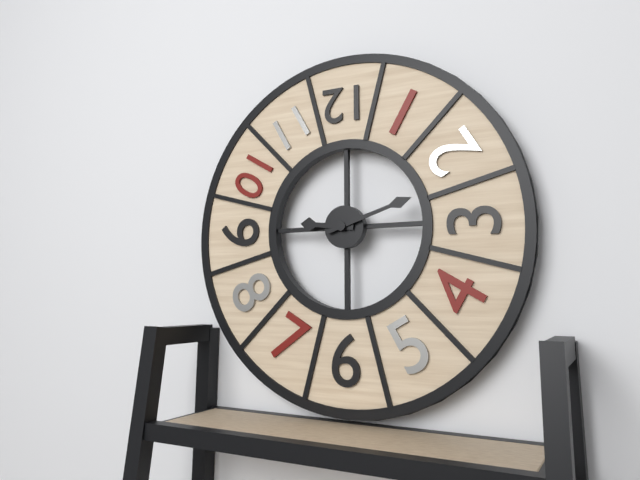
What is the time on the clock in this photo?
9:12
